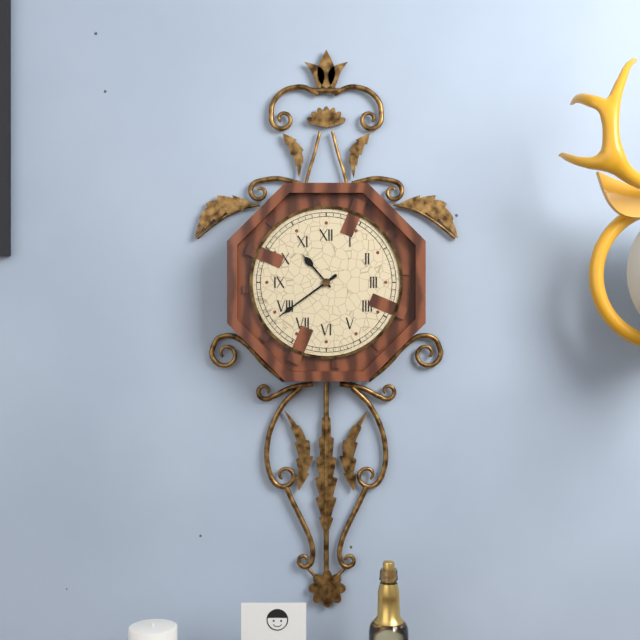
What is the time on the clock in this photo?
10:39
